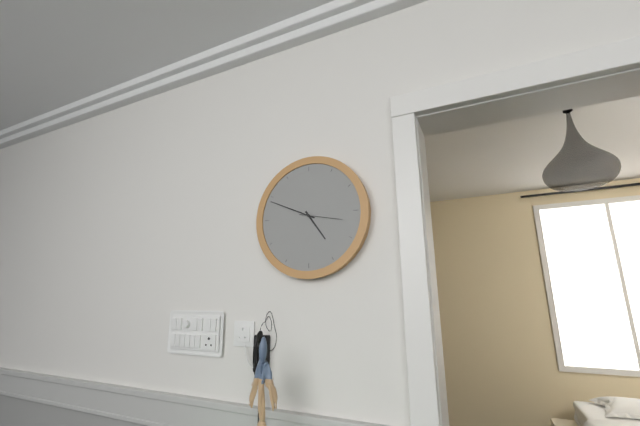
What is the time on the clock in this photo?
4:49
